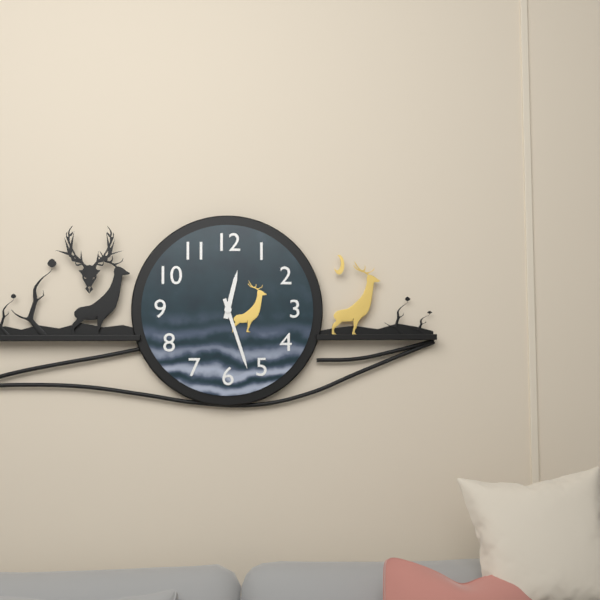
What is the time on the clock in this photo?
12:27
